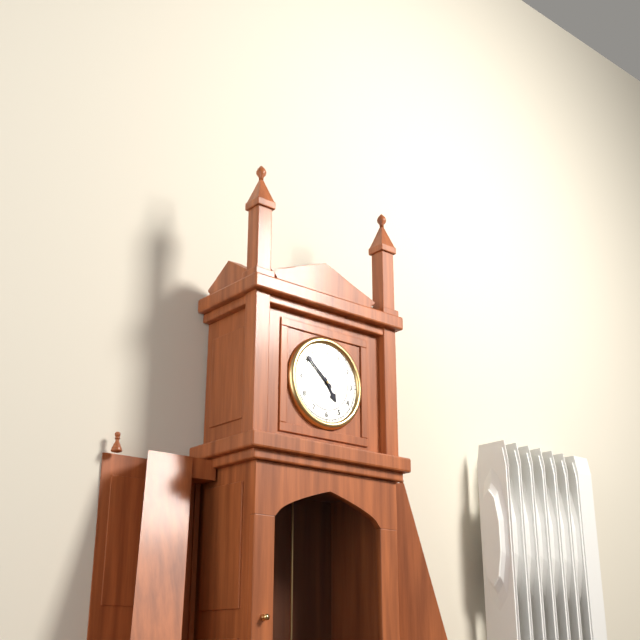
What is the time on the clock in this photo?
4:52
